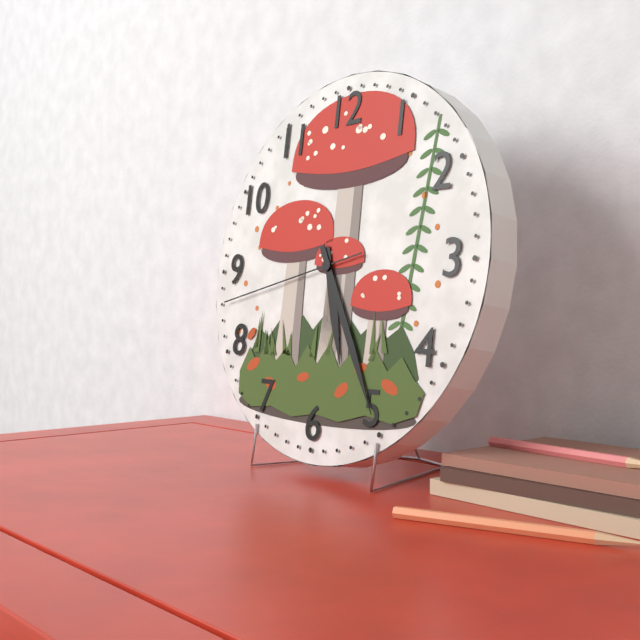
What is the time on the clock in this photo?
5:25:43
